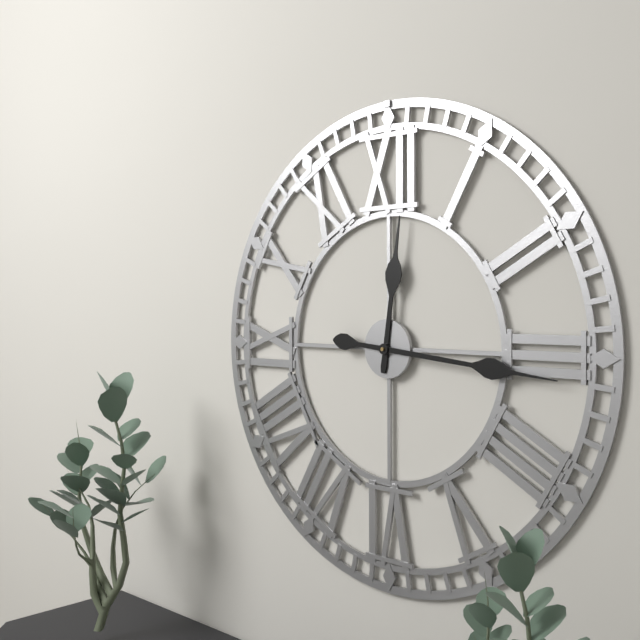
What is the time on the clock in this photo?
12:16
